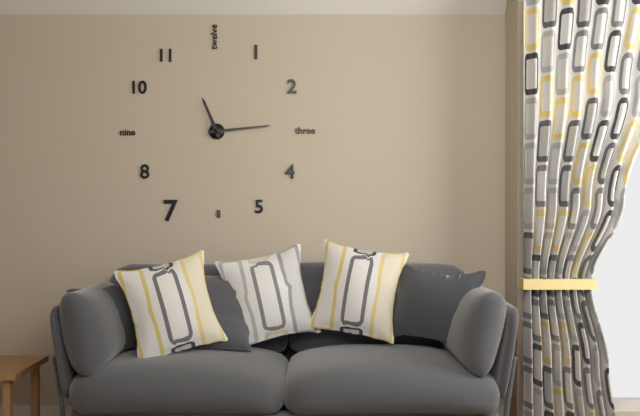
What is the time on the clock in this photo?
11:14
